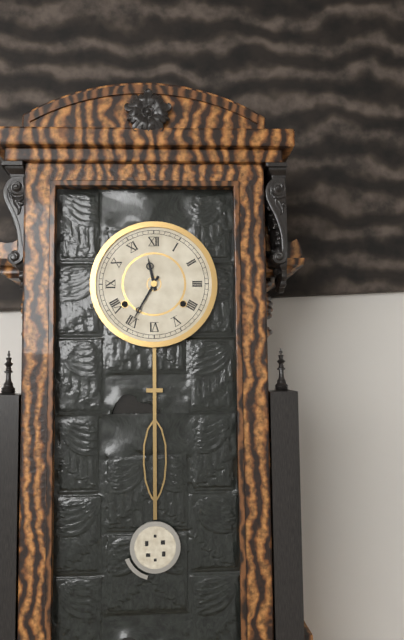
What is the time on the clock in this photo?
11:35
